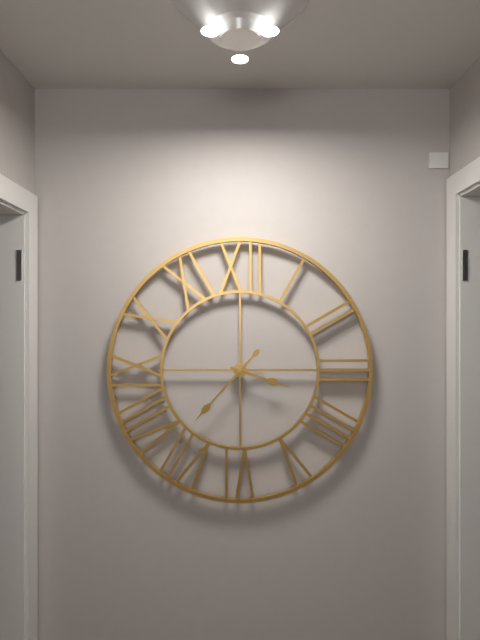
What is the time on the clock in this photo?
3:37
